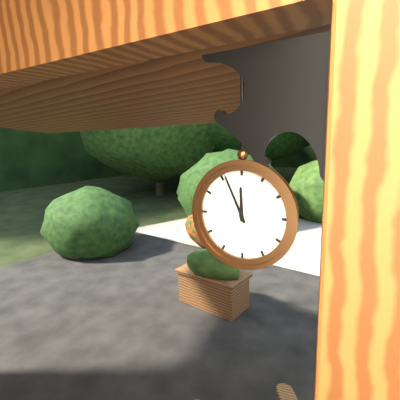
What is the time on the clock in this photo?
11:56
